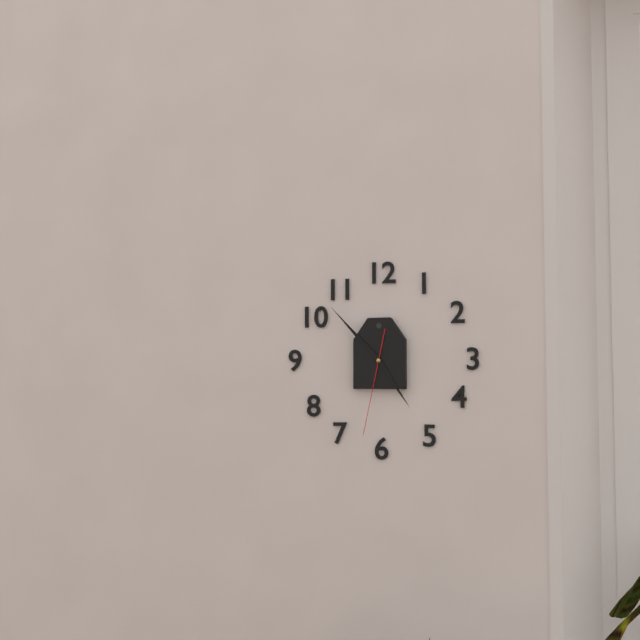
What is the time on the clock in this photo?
4:53:32
